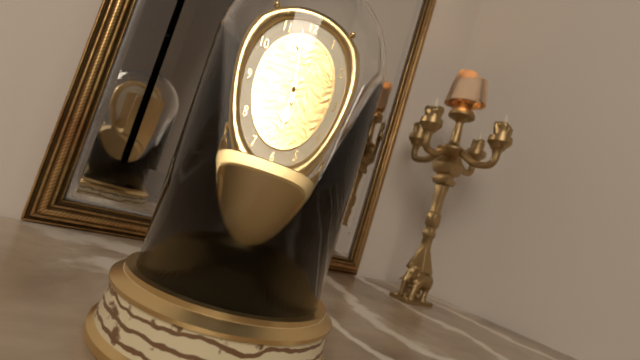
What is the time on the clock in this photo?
5:58
